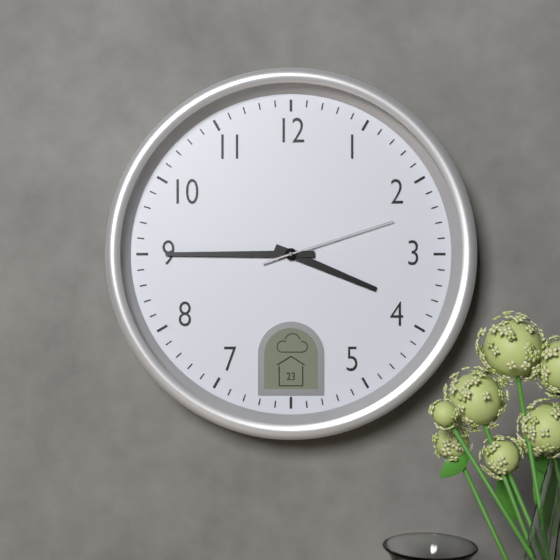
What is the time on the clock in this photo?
3:45:12
